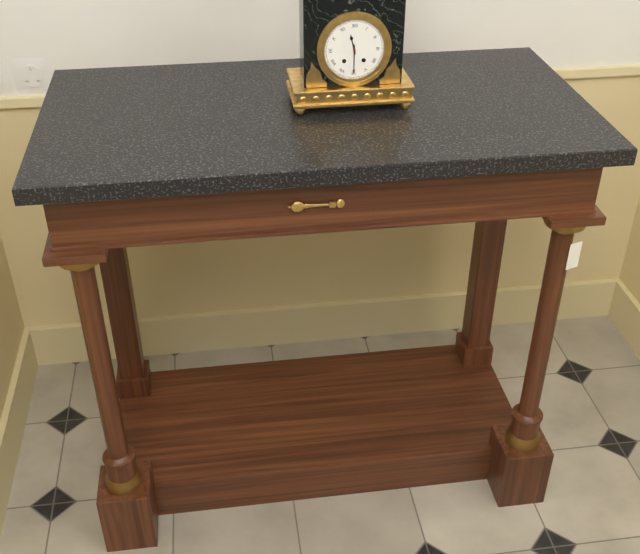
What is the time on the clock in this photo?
11:30
